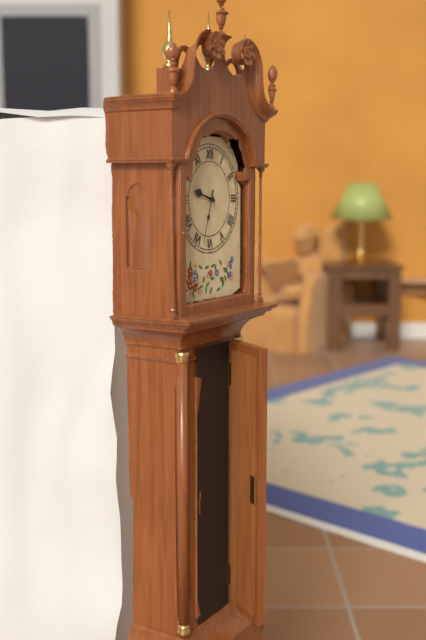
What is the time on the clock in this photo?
9:33
